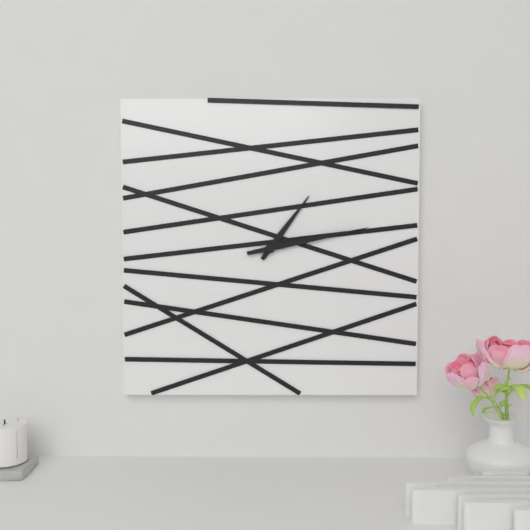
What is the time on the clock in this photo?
1:13
